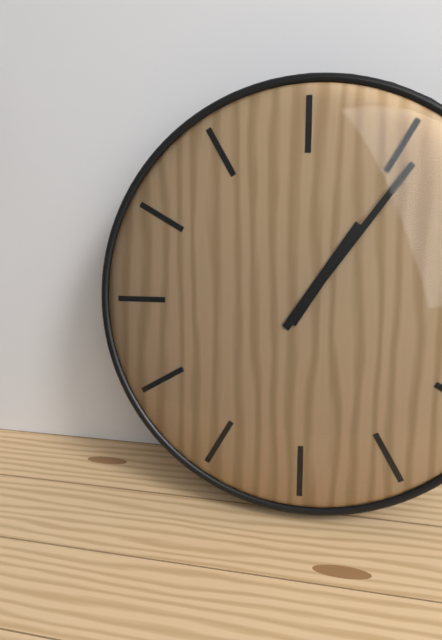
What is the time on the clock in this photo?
1:06
